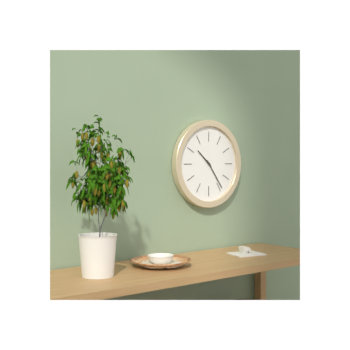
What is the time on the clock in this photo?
10:24
